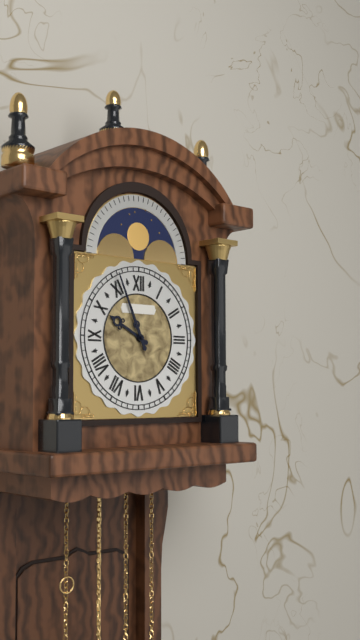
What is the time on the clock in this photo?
9:56
